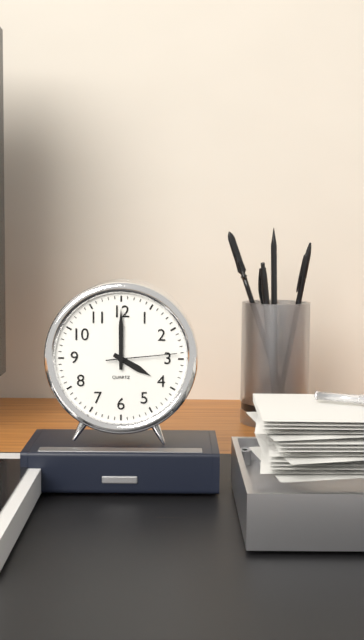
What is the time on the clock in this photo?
4:00:14
